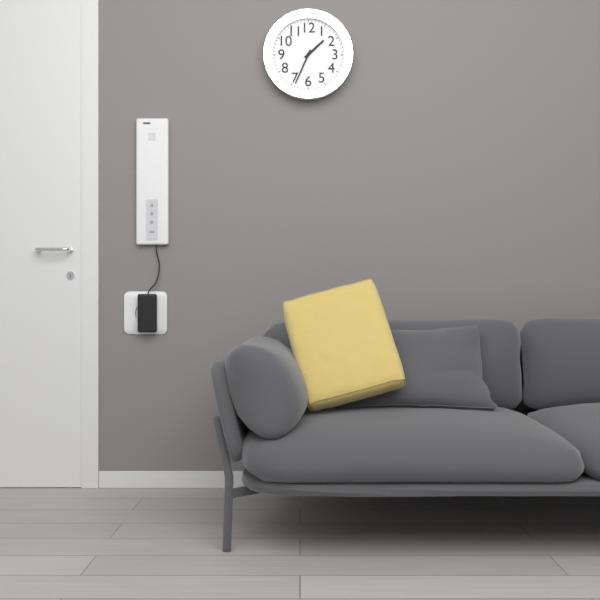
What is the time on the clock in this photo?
1:34
